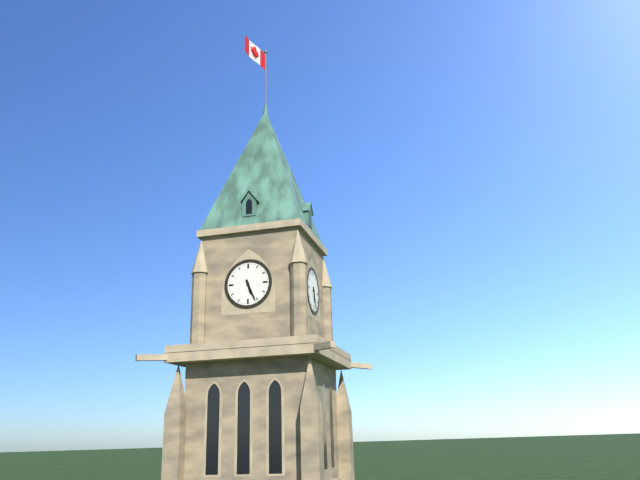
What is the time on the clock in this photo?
5:26
